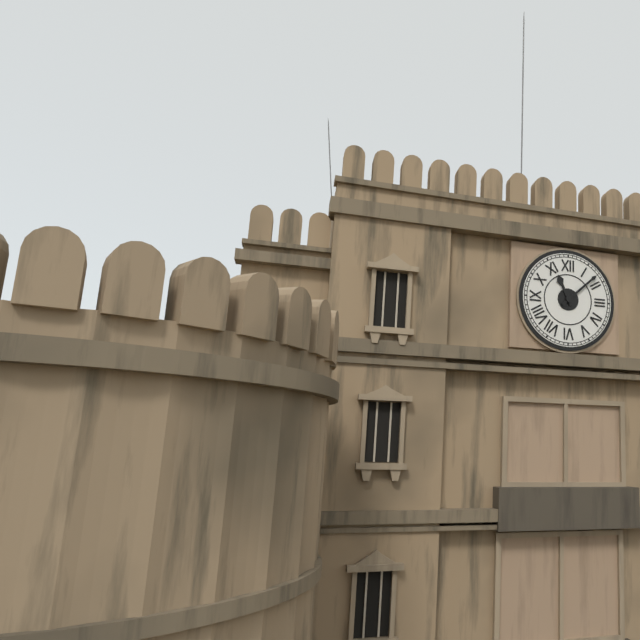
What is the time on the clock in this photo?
11:08
